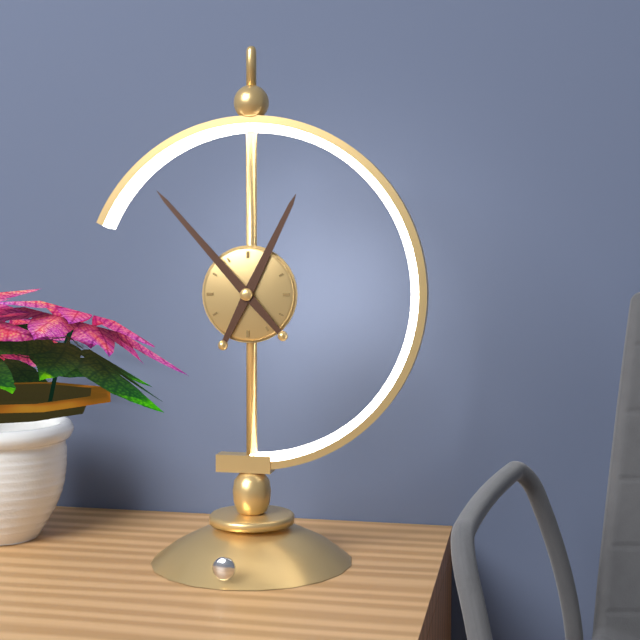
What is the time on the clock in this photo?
12:53
